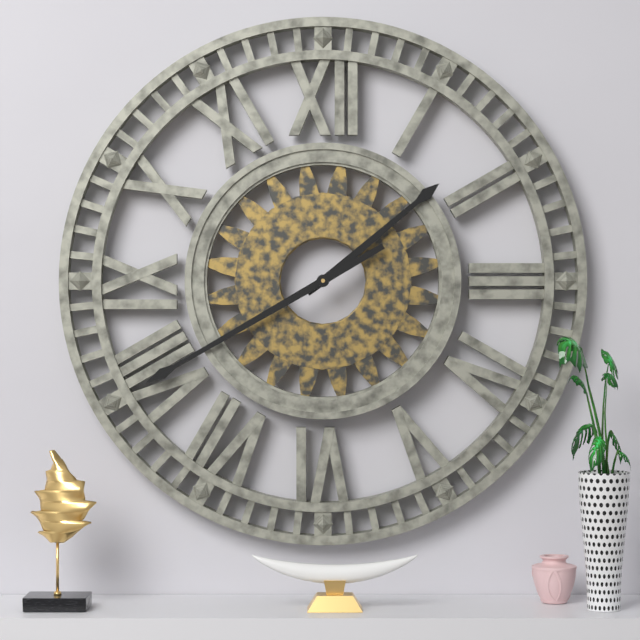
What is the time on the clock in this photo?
1:40
